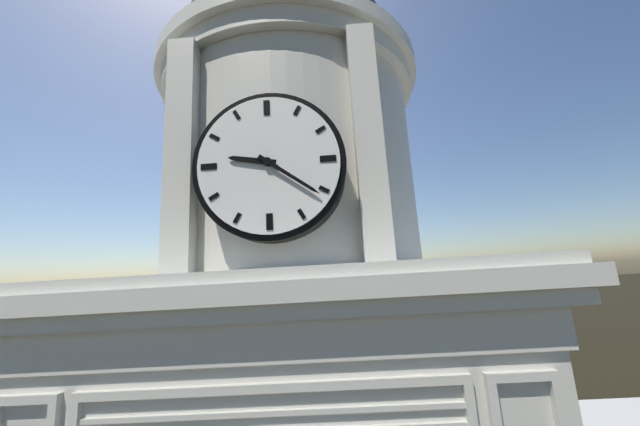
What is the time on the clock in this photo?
9:21
